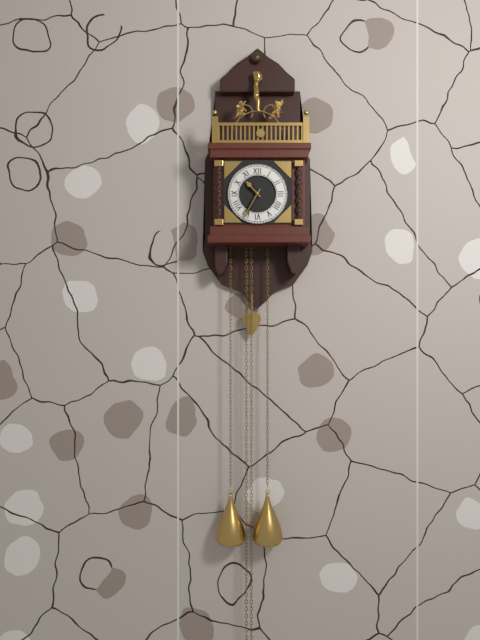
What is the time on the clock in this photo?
10:35
